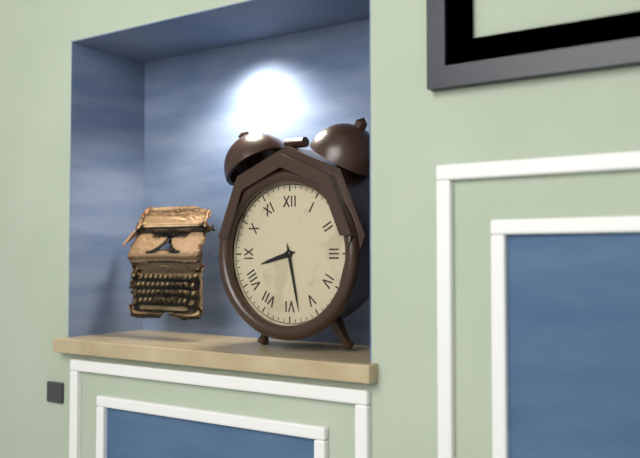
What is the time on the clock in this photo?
8:28
